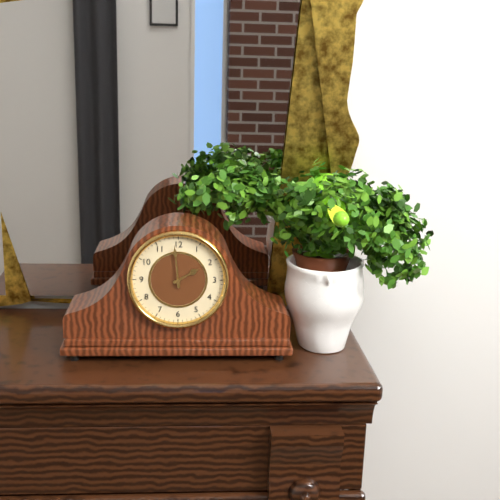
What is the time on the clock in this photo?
1:59
